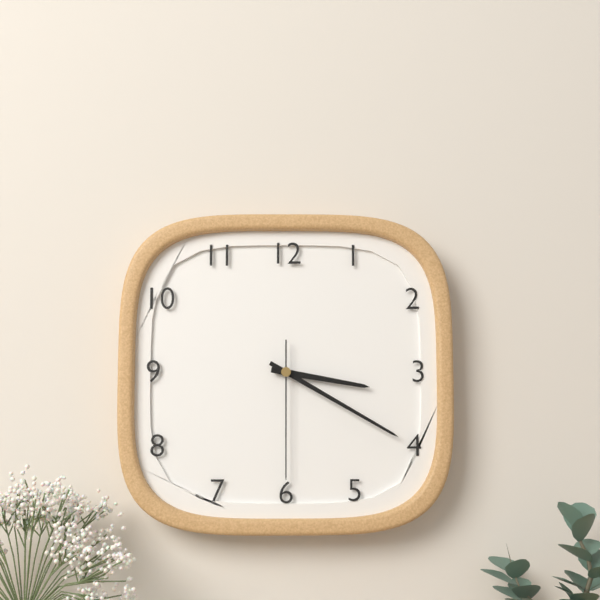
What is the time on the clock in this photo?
3:20:30
